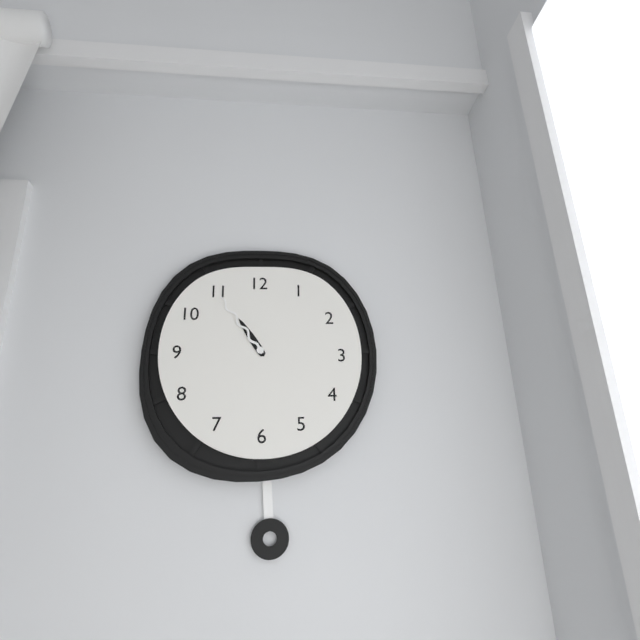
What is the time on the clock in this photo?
10:54
